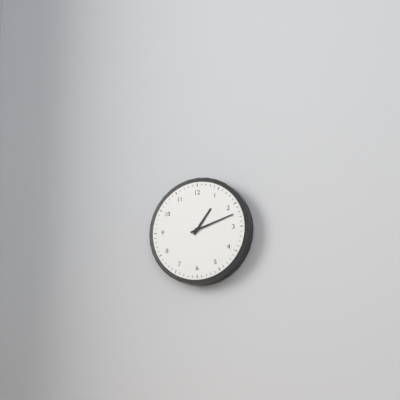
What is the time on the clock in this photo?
1:12
